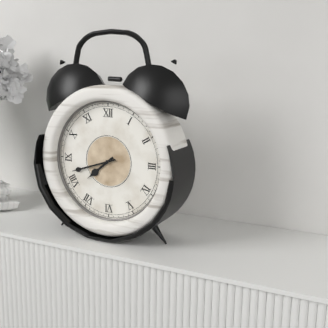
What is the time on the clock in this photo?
7:42
